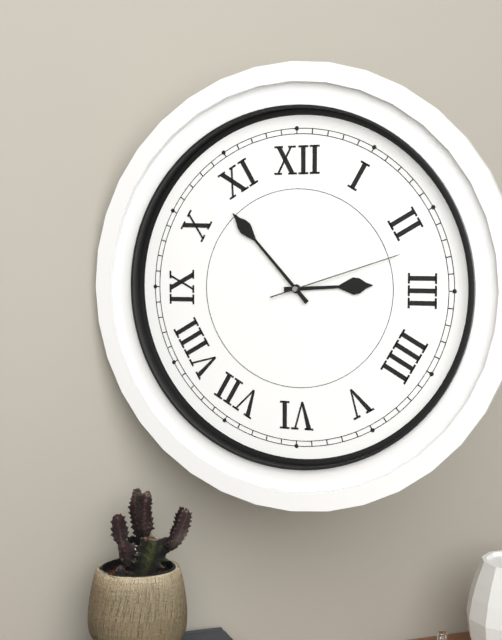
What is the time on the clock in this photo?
2:53:12
